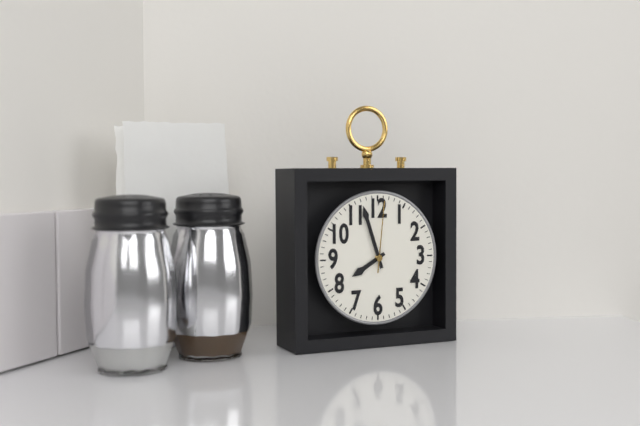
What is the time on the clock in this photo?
7:57:01
